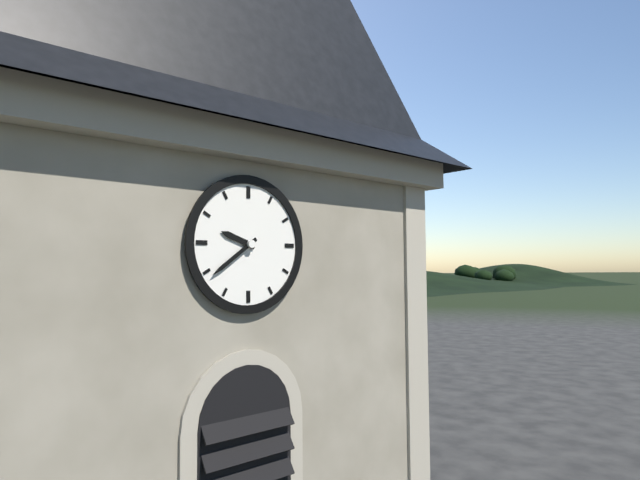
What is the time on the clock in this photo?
9:39
